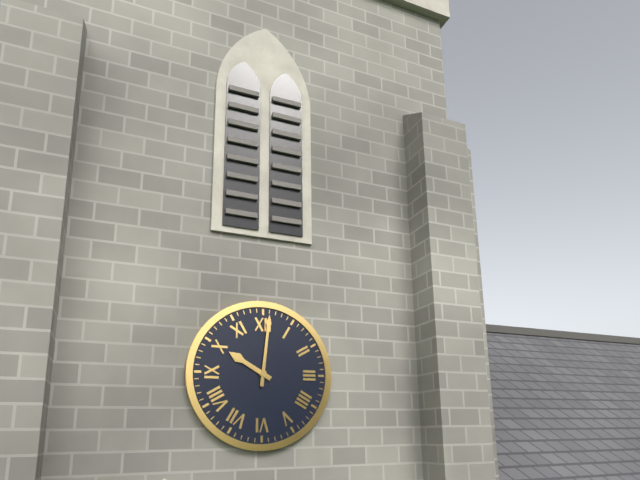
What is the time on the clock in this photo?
10:01
